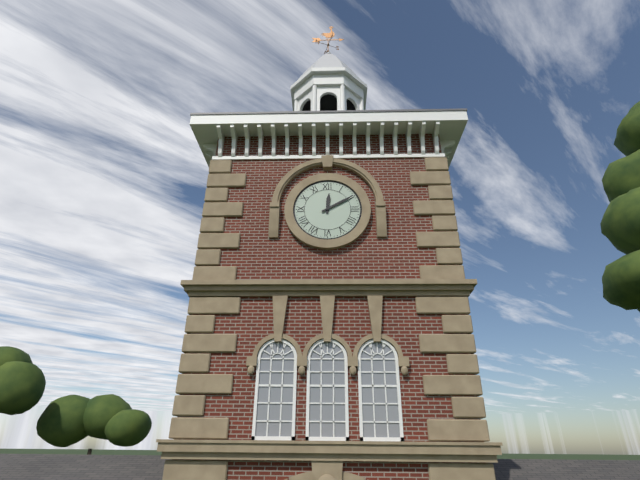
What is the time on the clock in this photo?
12:10
